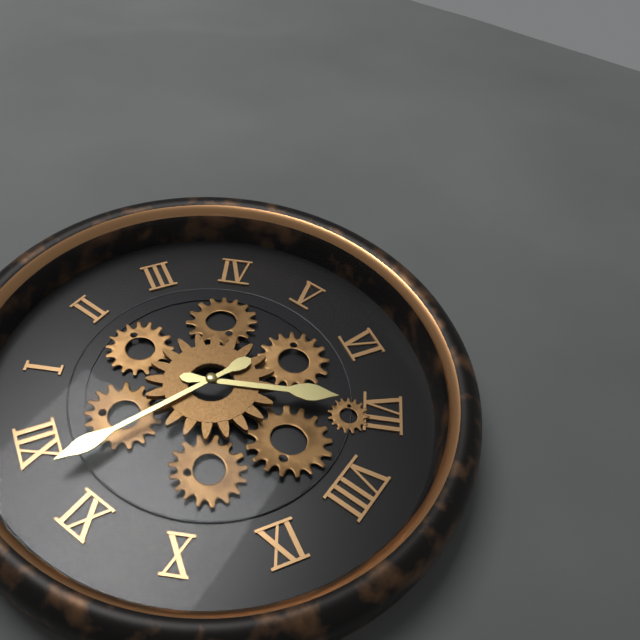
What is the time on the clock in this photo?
6:58
